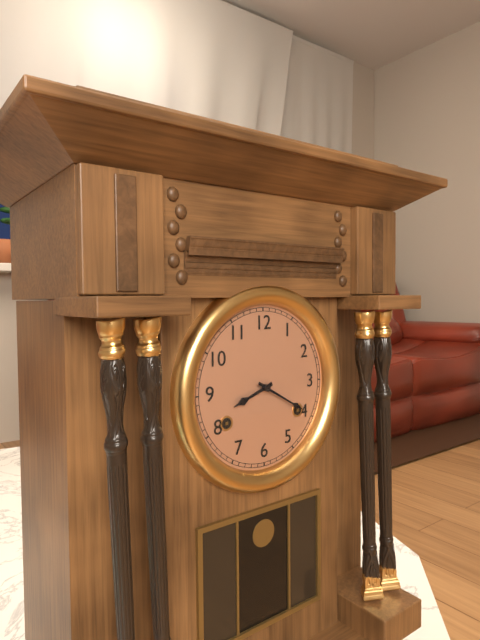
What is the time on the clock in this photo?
8:20
